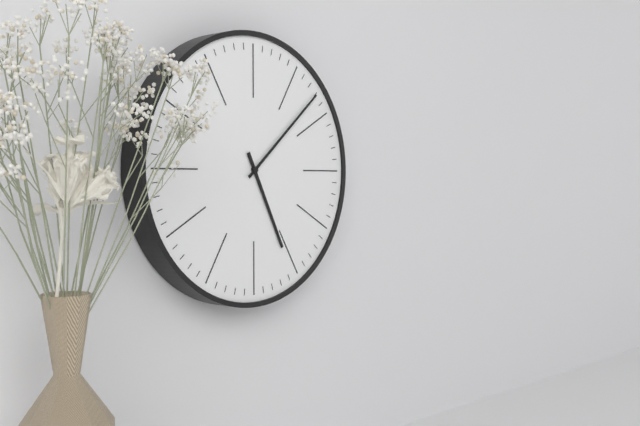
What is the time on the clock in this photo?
5:08
